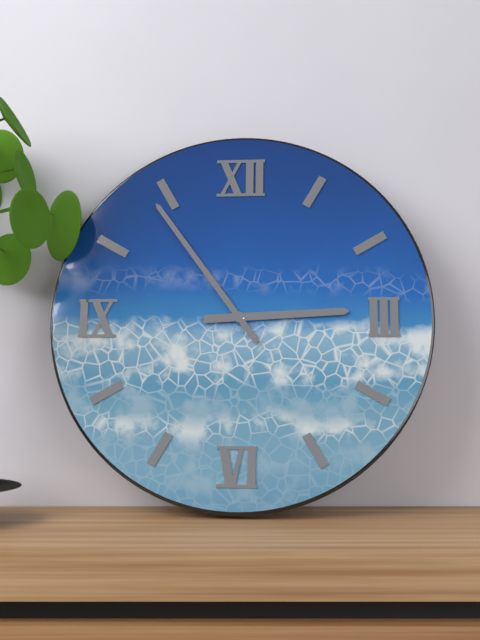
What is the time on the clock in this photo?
2:54
